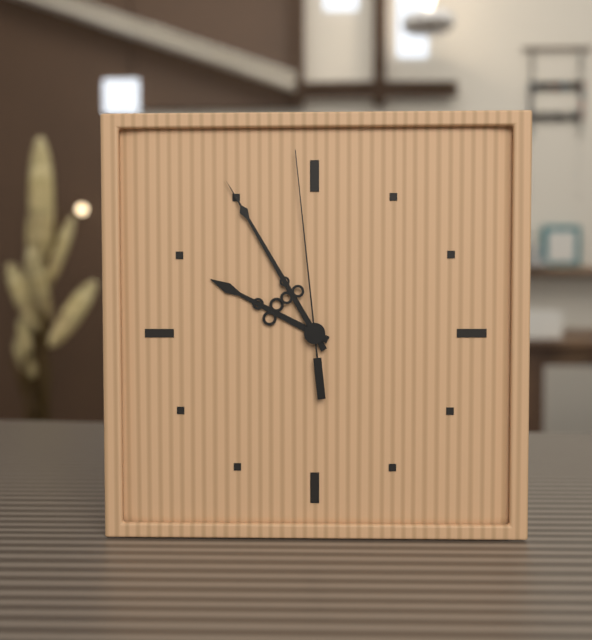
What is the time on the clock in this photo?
9:55:59
